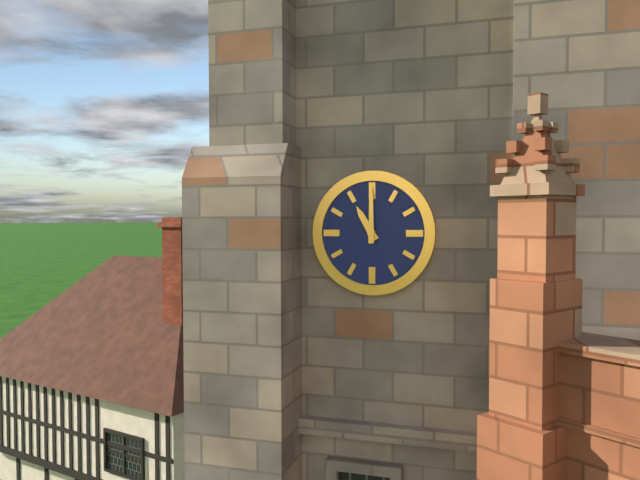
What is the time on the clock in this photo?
11:00
